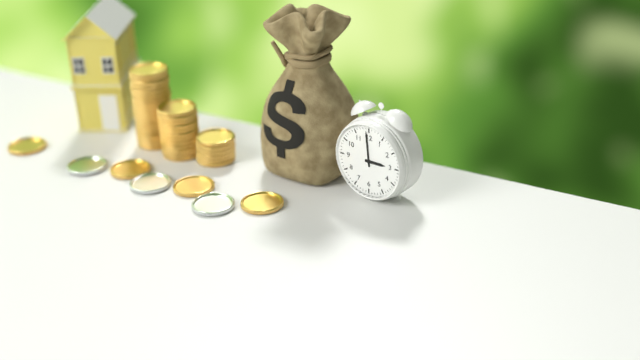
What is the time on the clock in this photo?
2:59
